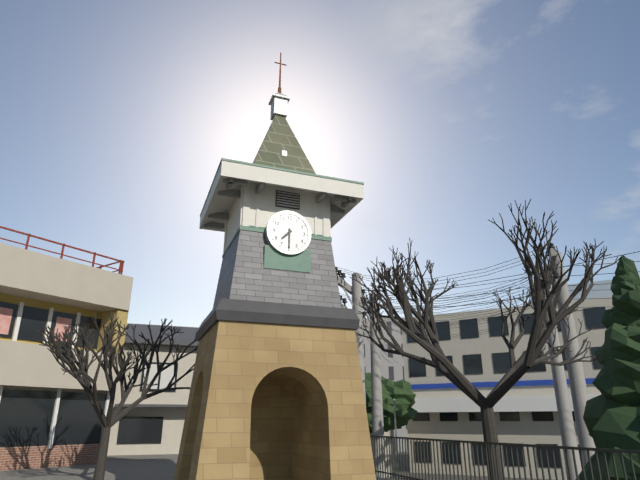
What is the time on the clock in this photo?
7:30
